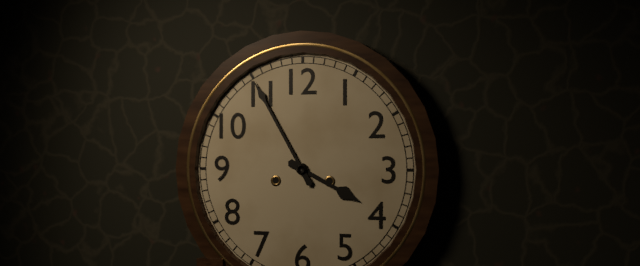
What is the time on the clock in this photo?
3:55
